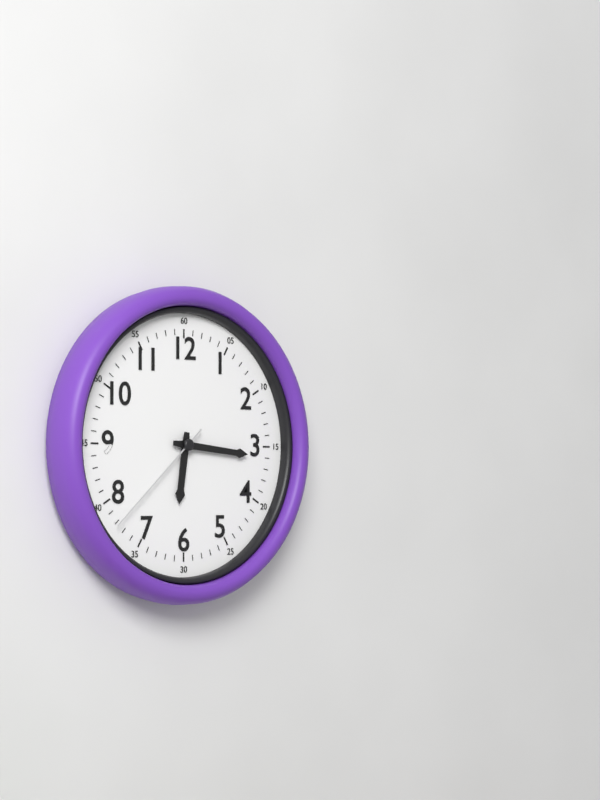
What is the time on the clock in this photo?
6:16:38
